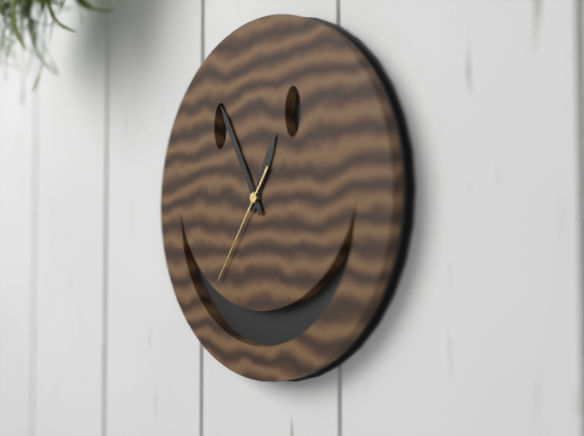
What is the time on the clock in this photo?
12:55:36
